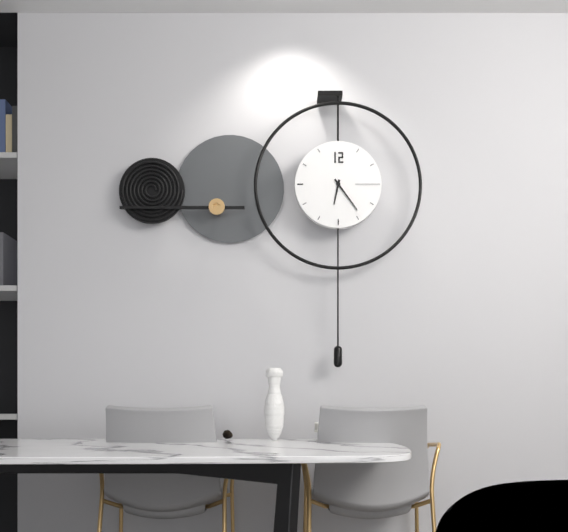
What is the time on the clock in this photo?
6:24
